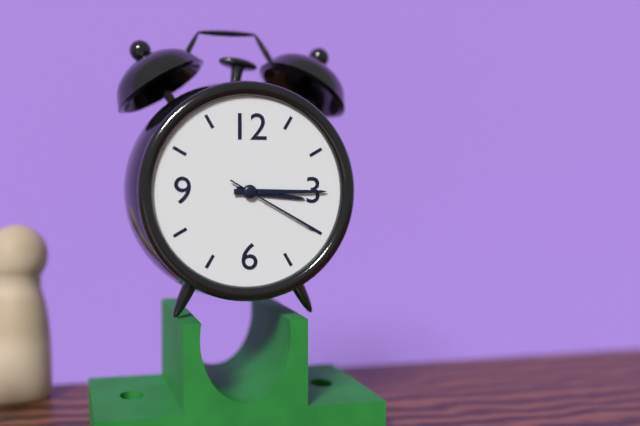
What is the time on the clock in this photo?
3:15:20
